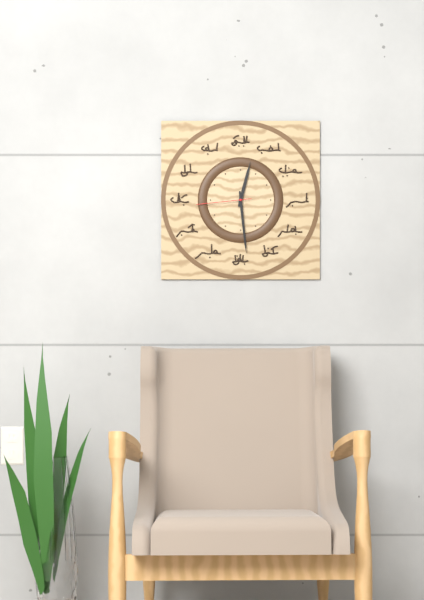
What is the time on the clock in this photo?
12:29:44
